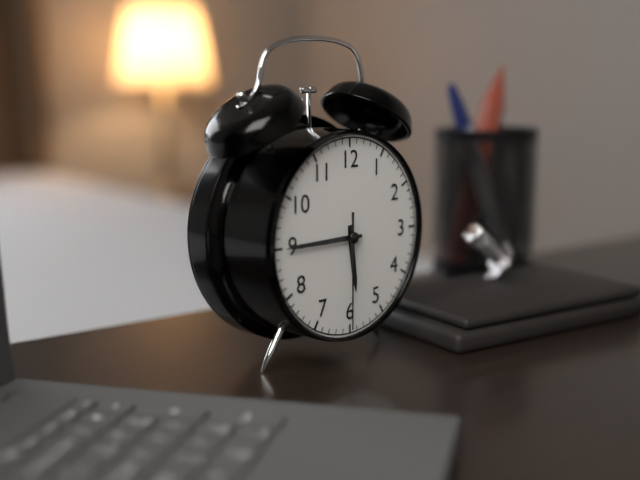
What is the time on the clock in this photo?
5:45:30
